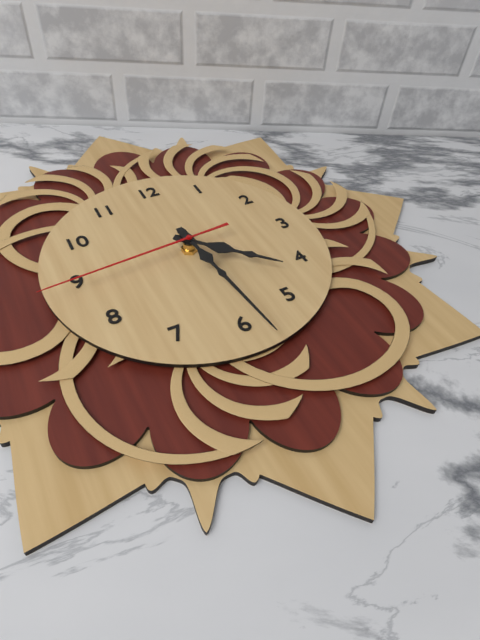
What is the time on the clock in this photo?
4:29:44
